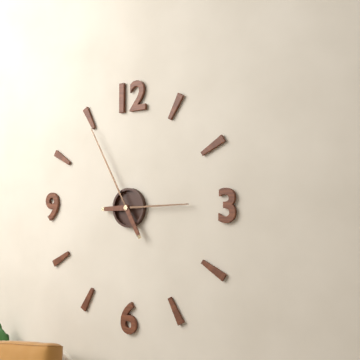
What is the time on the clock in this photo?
2:55
